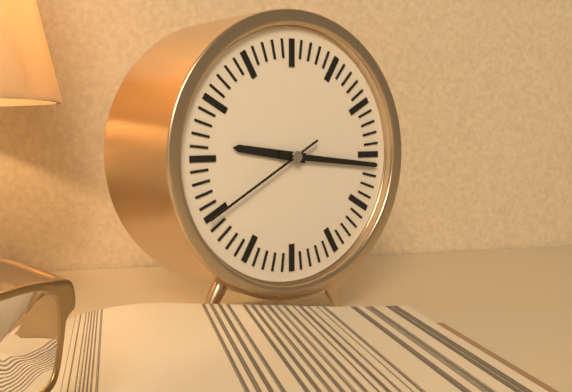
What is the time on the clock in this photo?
9:16:40
